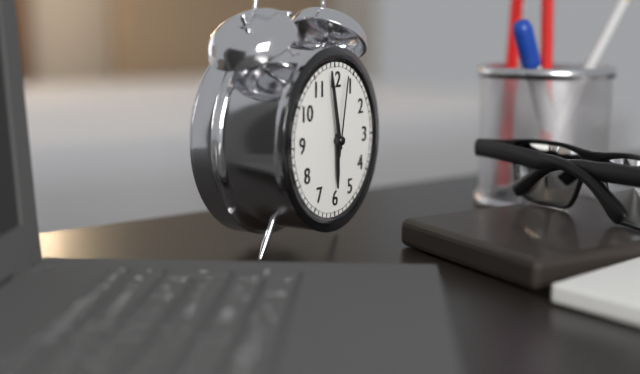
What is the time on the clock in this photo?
5:58:02
